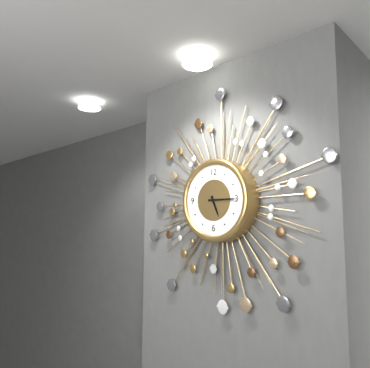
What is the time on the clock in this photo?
5:15
